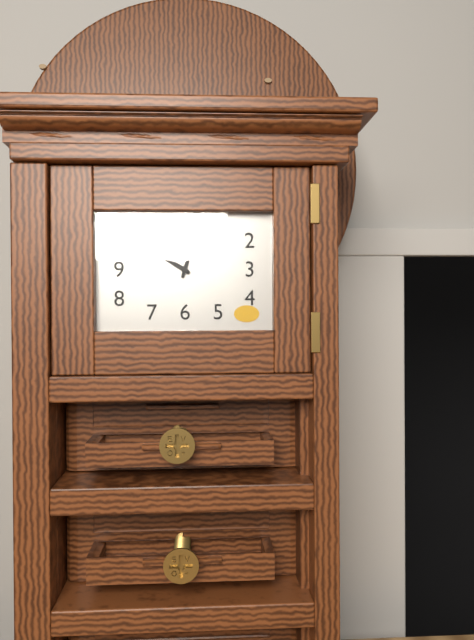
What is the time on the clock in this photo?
10:03
